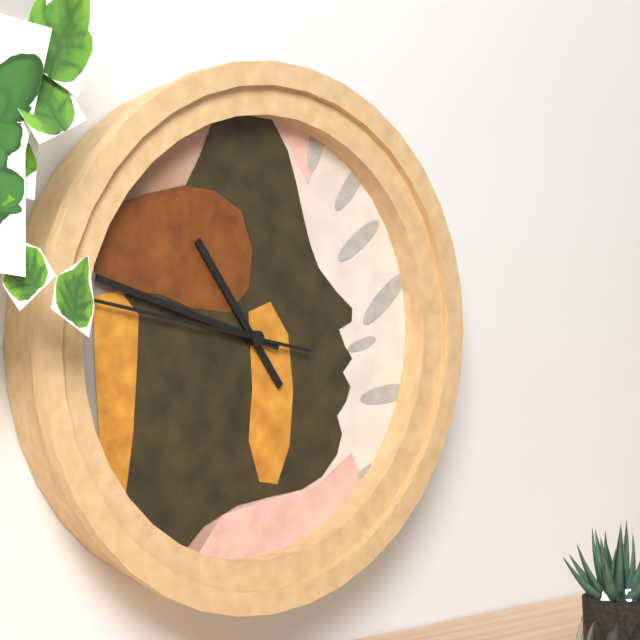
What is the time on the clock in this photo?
10:48:47
